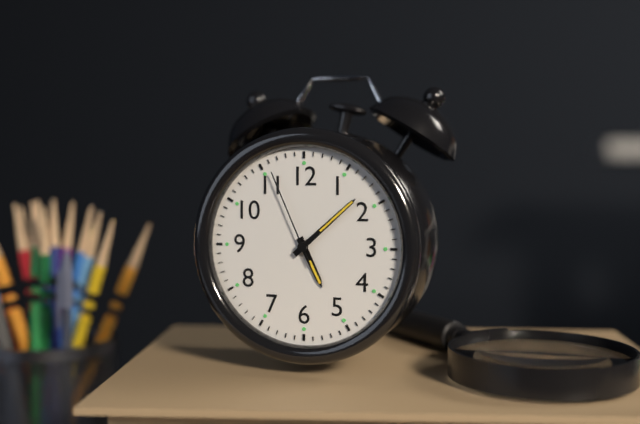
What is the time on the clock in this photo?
5:08:56
